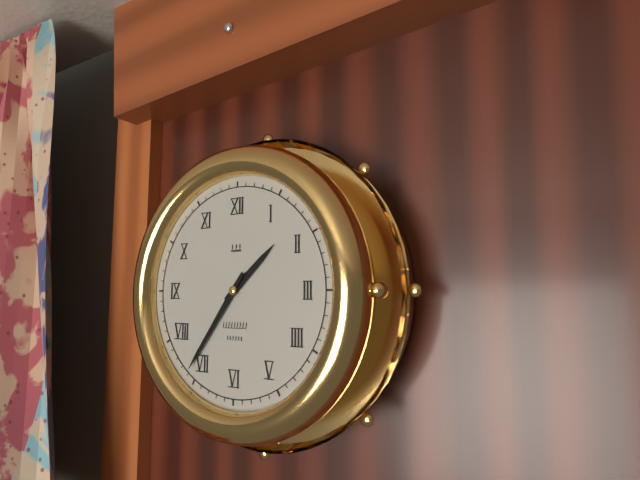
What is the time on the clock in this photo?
1:36
